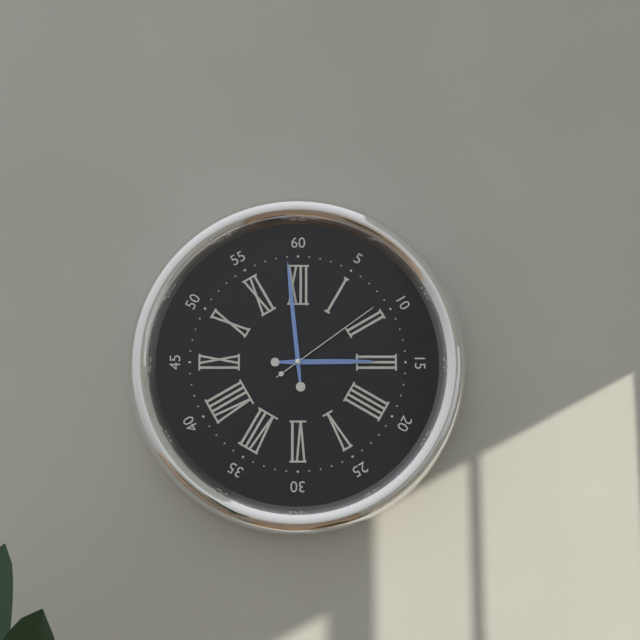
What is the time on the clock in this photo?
2:59:09
